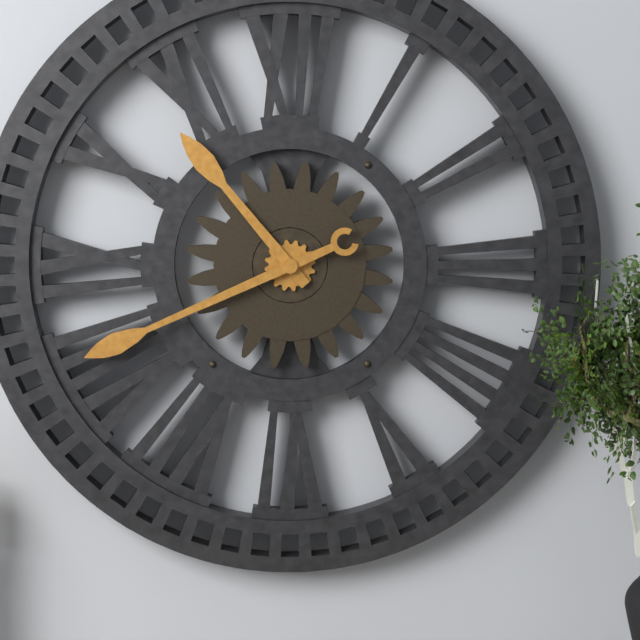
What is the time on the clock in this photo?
10:41
